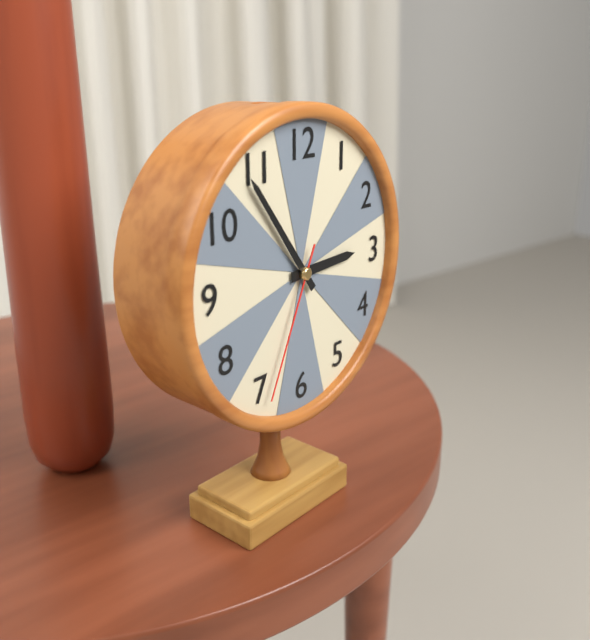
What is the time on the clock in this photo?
2:54:34
